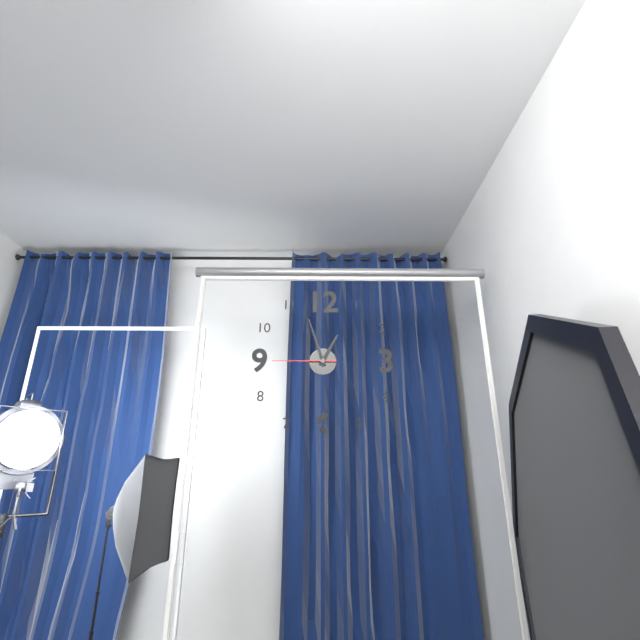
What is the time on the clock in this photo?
12:57:45
